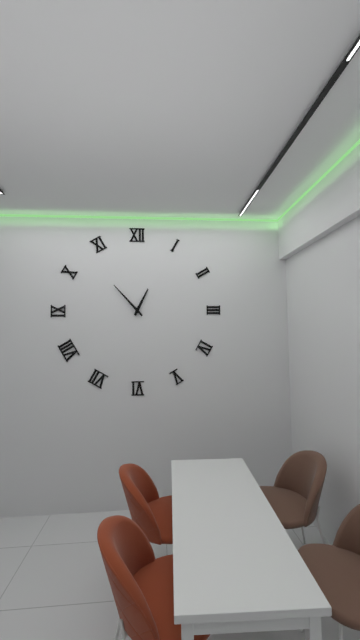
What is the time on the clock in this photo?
12:53
